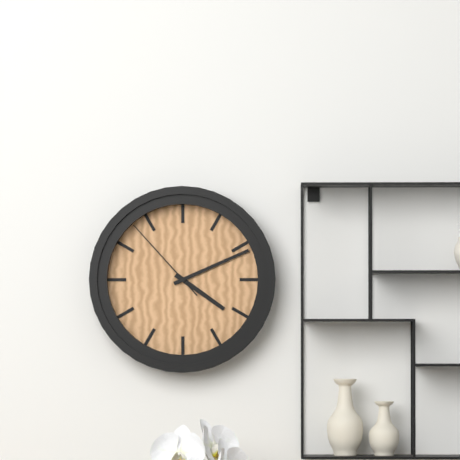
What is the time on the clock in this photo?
4:11:53
